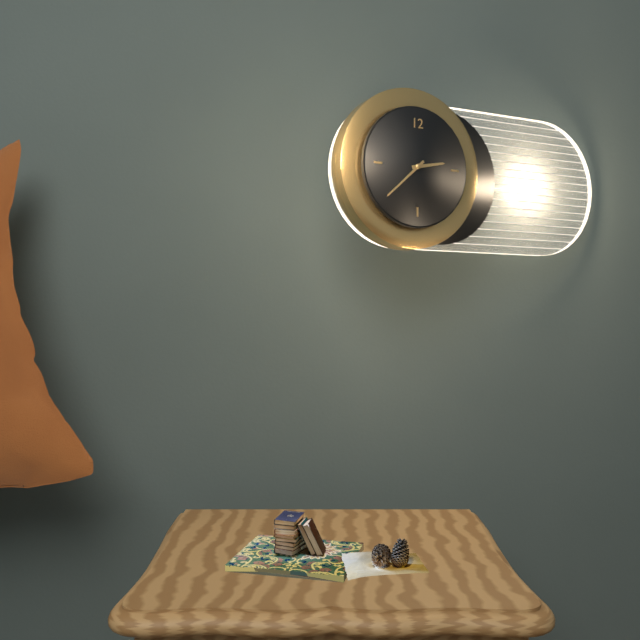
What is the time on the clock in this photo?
2:38
